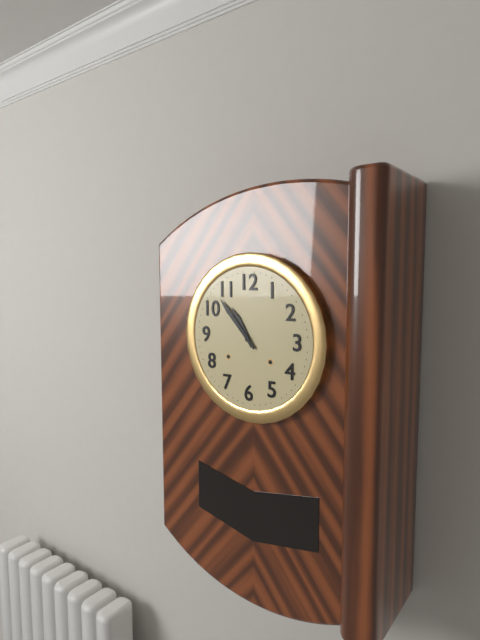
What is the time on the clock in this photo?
10:53
